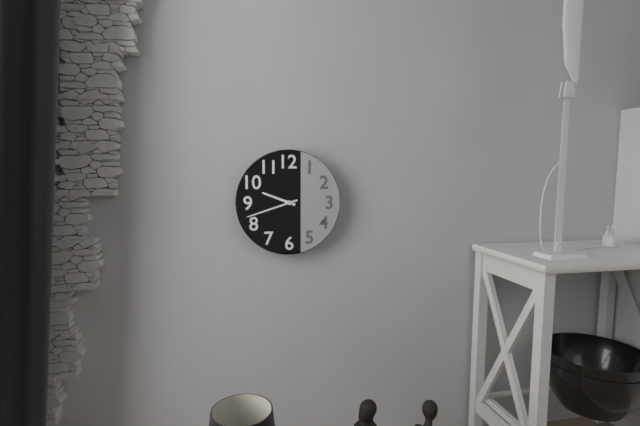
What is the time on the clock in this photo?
9:42
